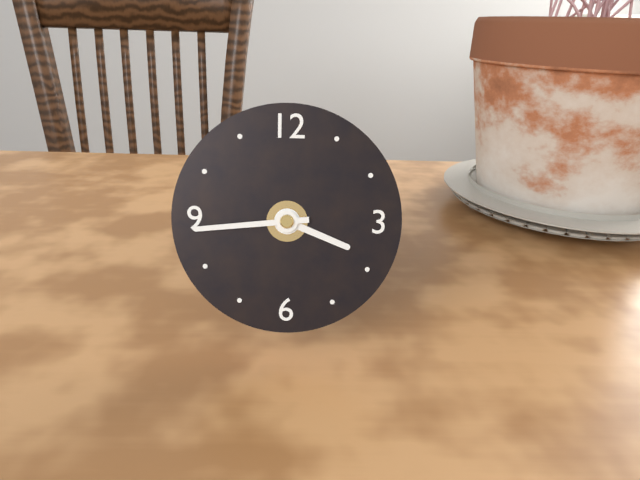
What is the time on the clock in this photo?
3:44
